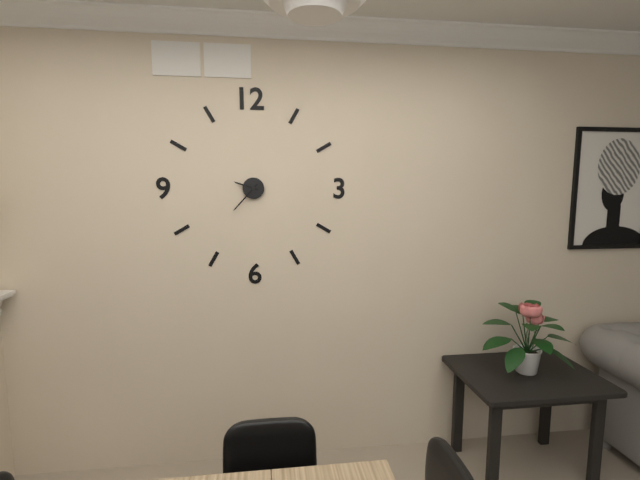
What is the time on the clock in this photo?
9:37
